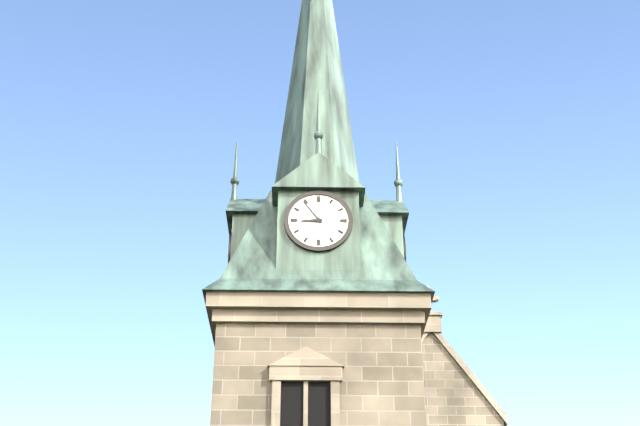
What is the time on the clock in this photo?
8:54
